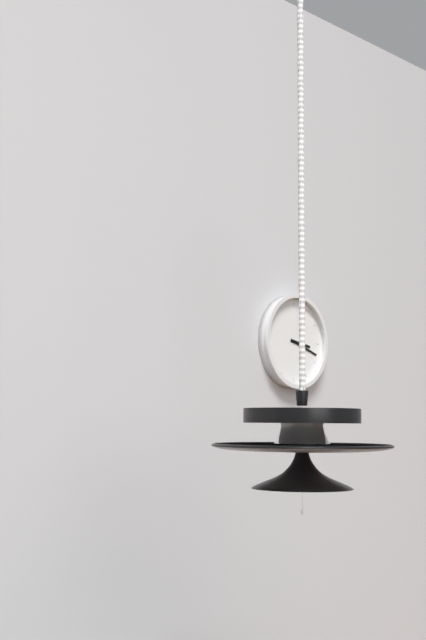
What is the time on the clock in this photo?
3:18
